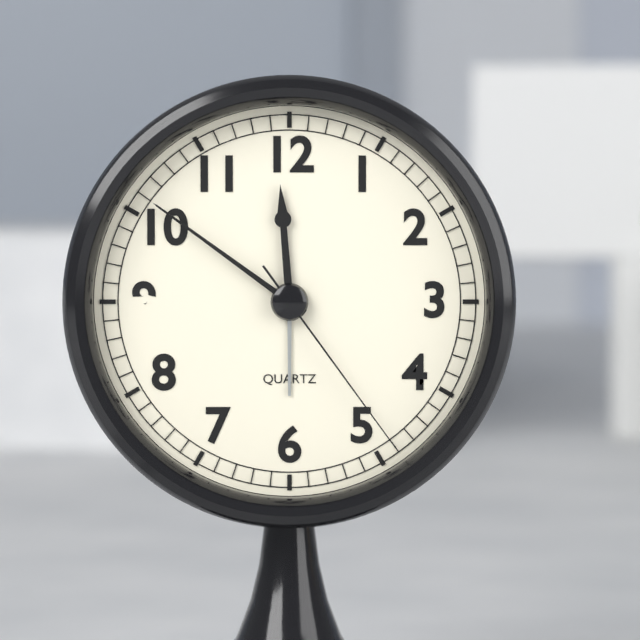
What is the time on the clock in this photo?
11:51:24
